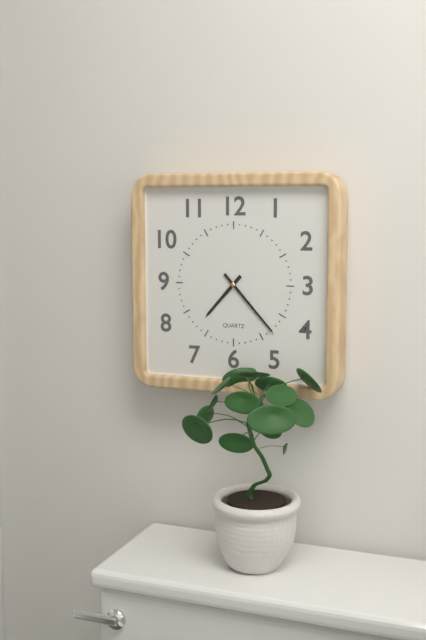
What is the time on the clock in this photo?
7:23
